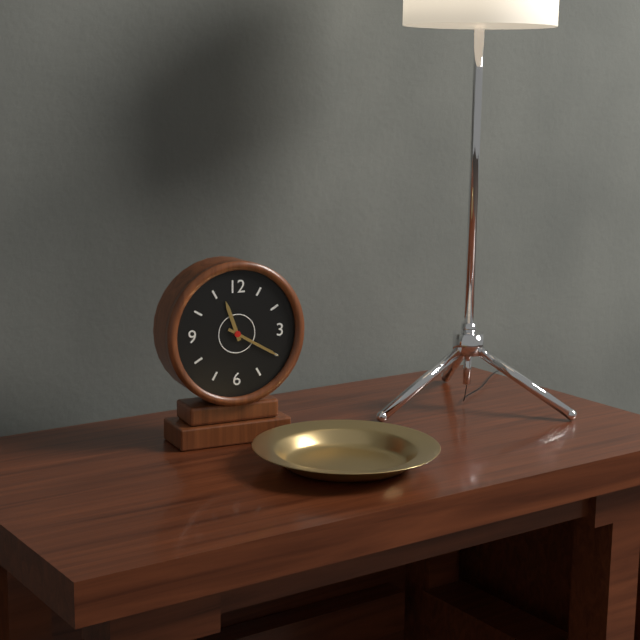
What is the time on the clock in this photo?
11:20
